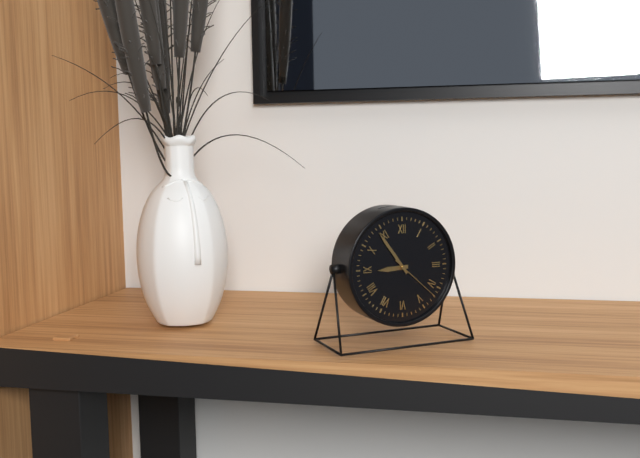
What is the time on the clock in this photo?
8:54:22
